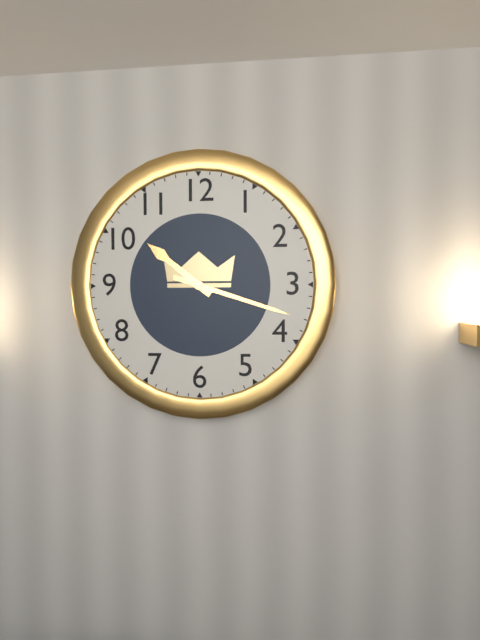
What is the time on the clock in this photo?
10:18
